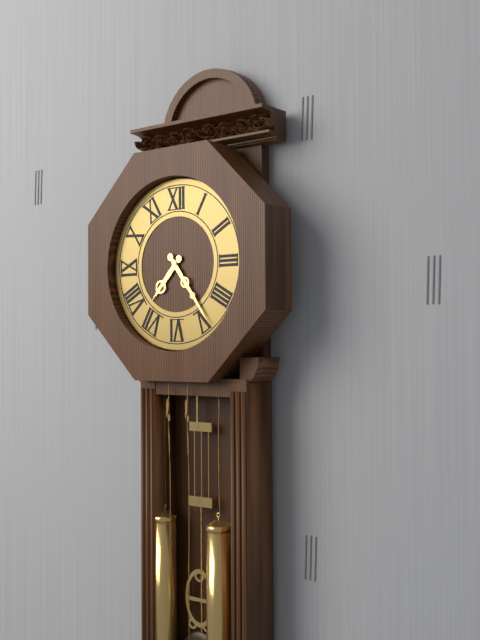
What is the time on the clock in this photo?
7:24
